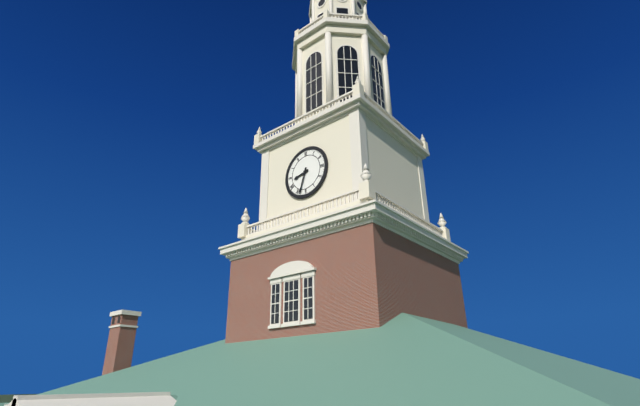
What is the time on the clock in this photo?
8:33
